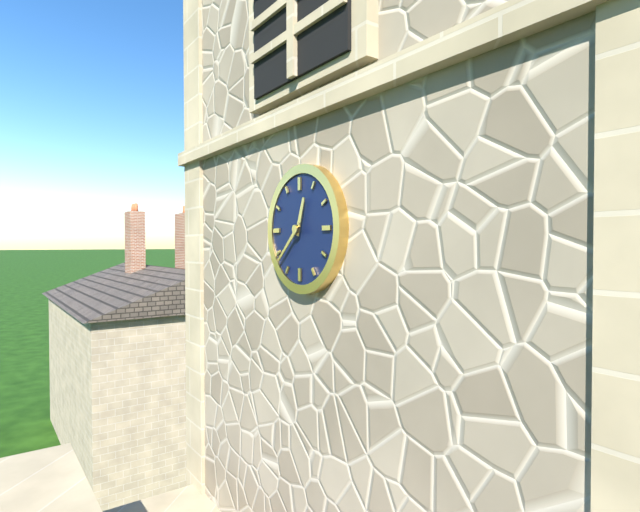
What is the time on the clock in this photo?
12:38
